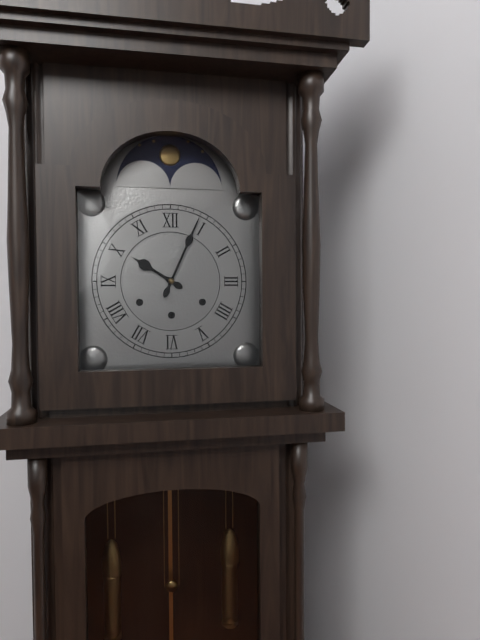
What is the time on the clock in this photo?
10:04
